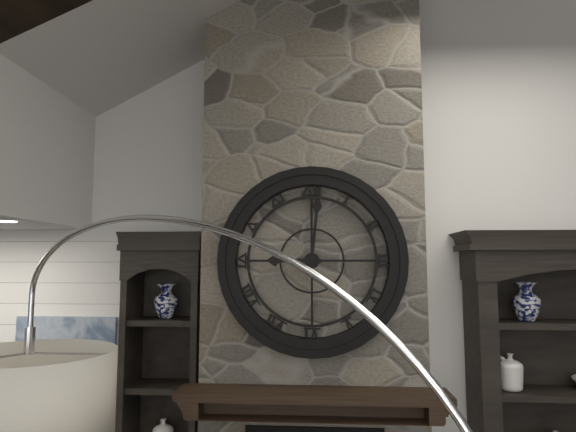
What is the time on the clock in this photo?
9:01
